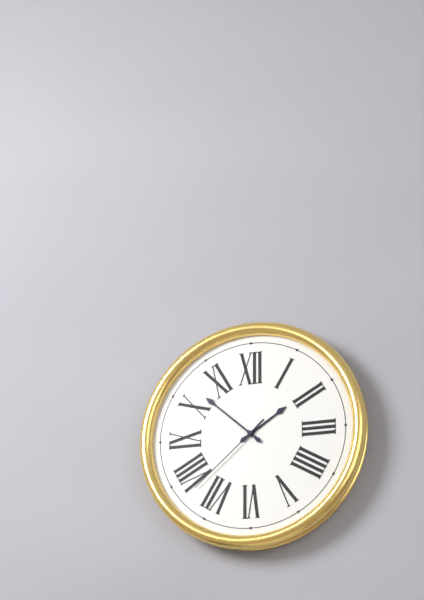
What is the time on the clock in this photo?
1:52:38
